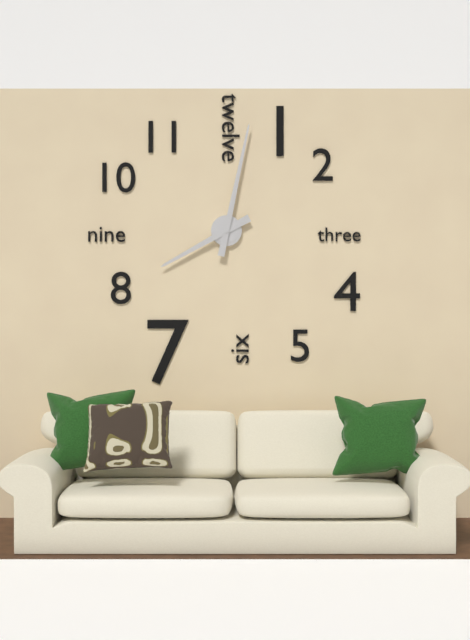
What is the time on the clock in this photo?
8:02
